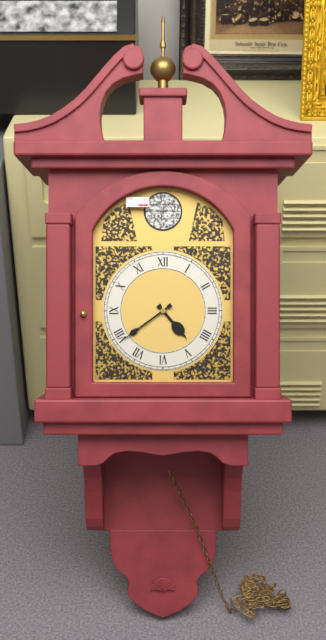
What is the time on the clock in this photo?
4:39
